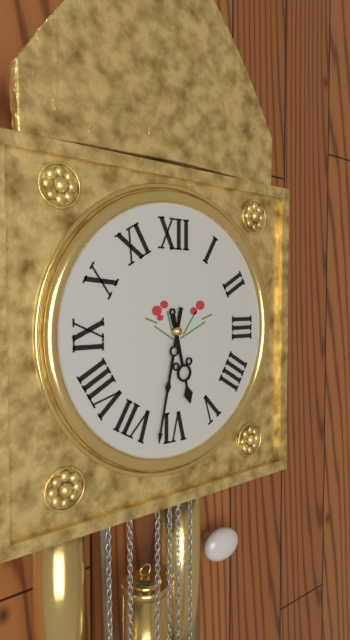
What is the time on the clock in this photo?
5:32
